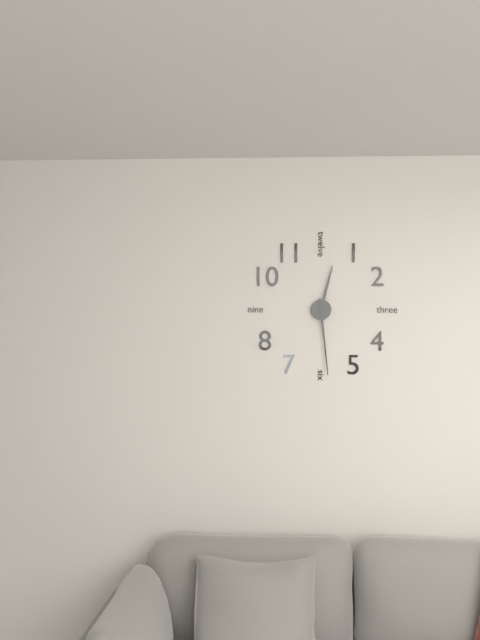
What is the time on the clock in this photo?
12:29
